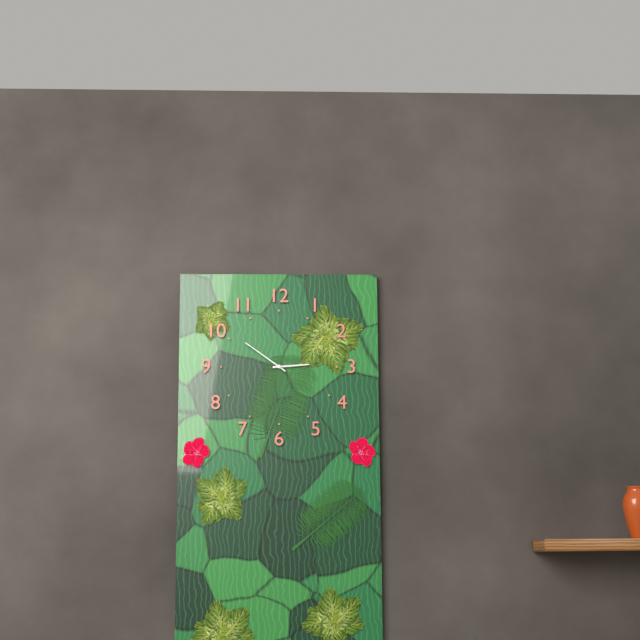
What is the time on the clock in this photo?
2:51
